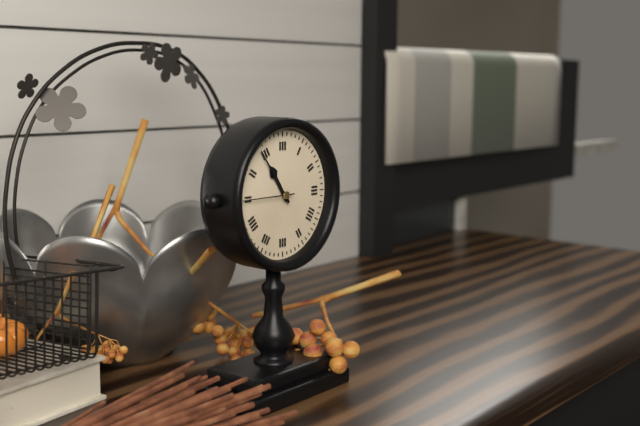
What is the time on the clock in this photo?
10:54
